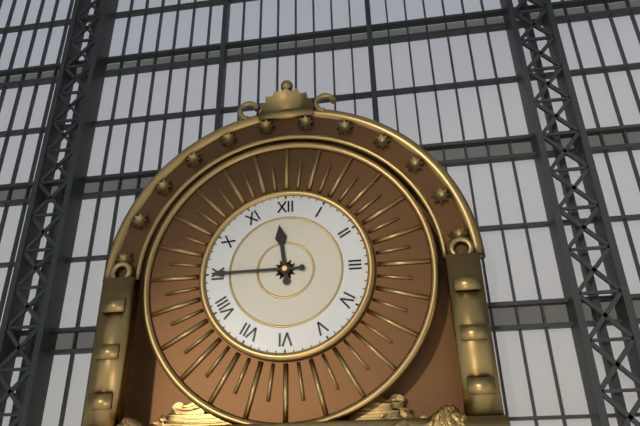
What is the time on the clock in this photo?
11:45
